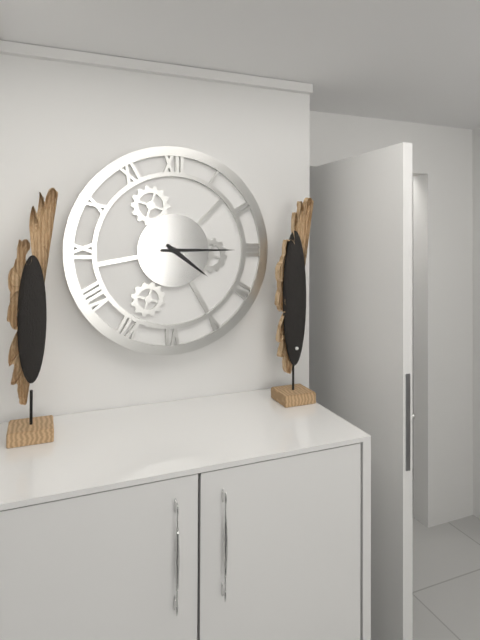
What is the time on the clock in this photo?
4:15
